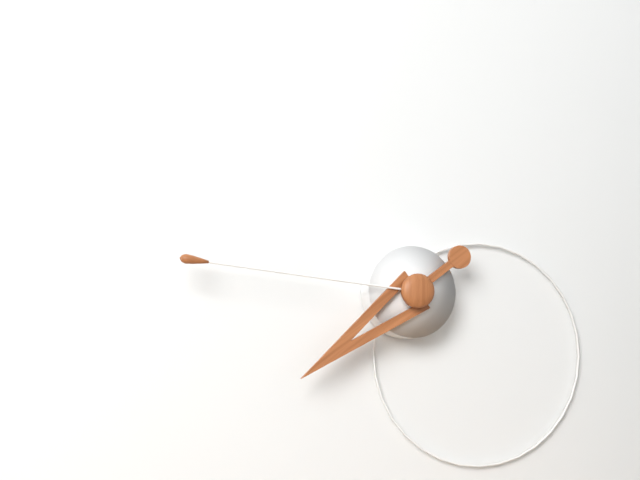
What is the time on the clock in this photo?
7:46
